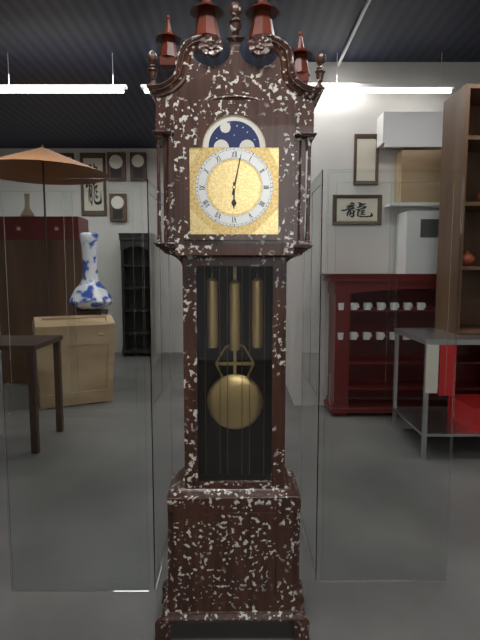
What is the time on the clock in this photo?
6:02
